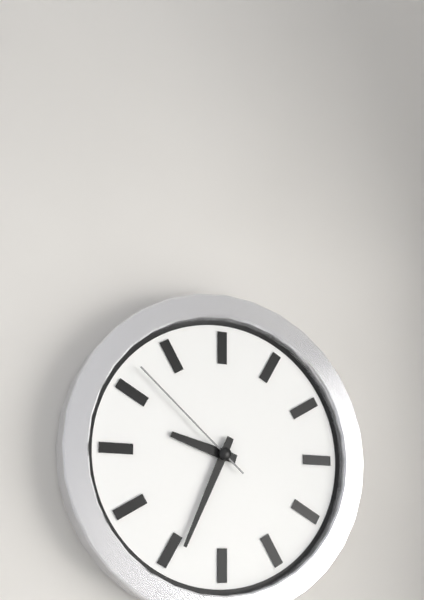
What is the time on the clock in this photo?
9:34:52
